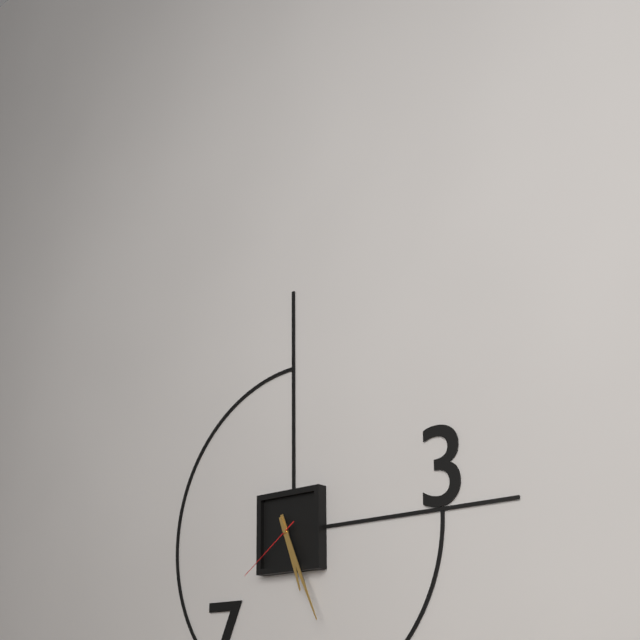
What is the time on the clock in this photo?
5:26:39
